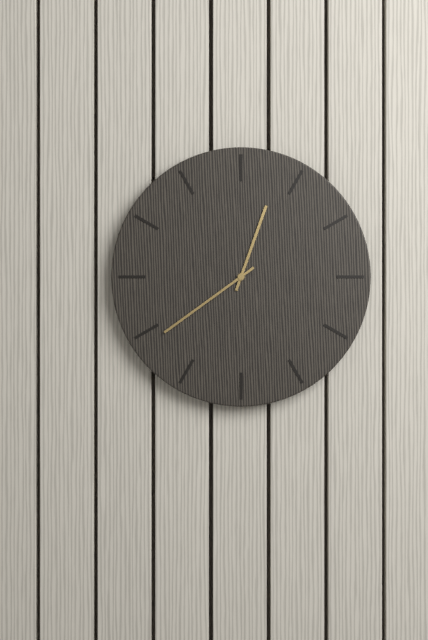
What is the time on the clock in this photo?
12:39
